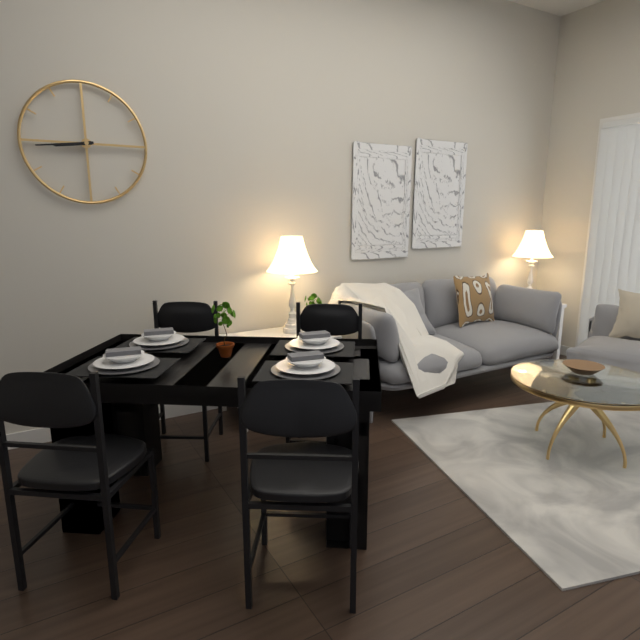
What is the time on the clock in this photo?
8:44
